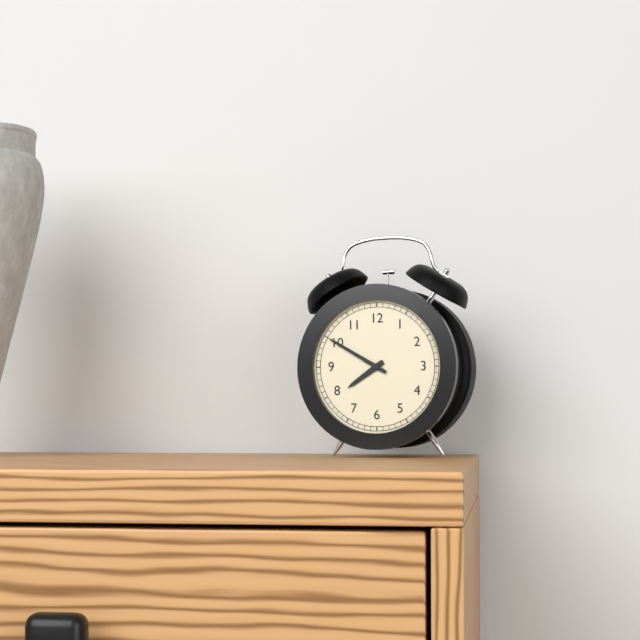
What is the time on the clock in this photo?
7:50
